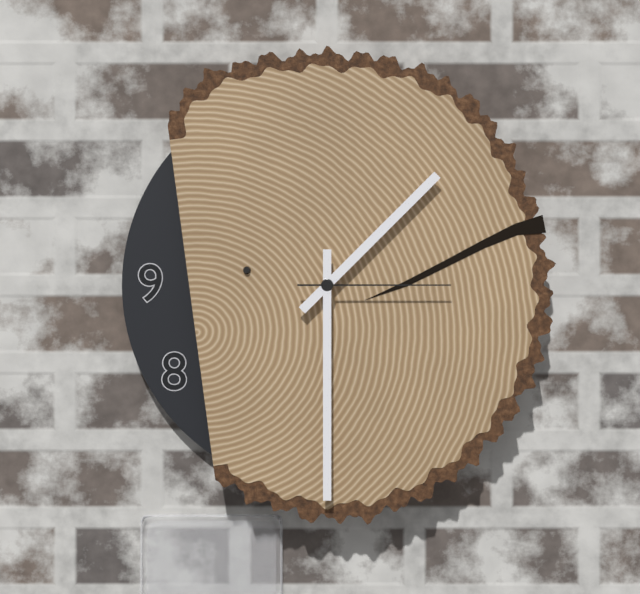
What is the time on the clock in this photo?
1:30:15
